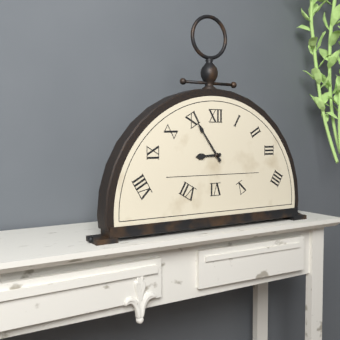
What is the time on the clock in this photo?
8:54
